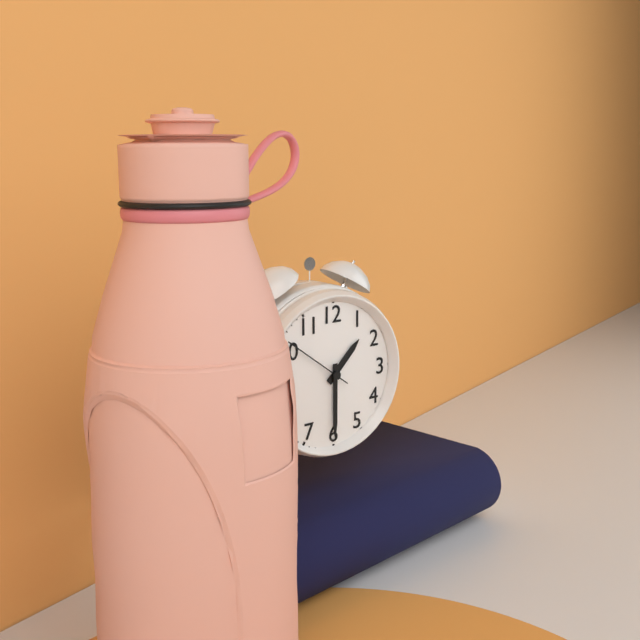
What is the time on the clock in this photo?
1:30:51
